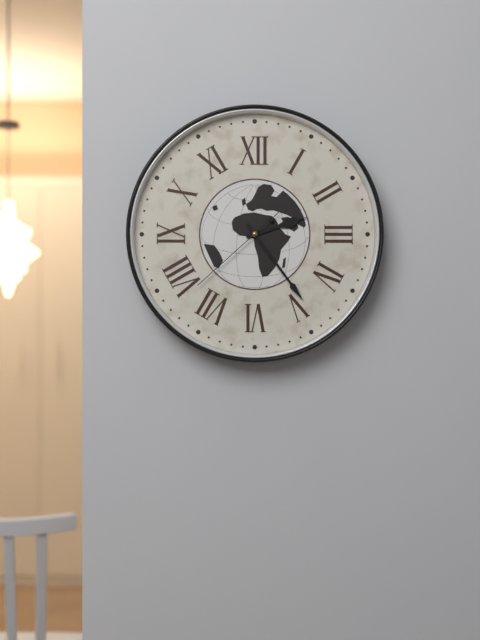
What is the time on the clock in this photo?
2:24:38
